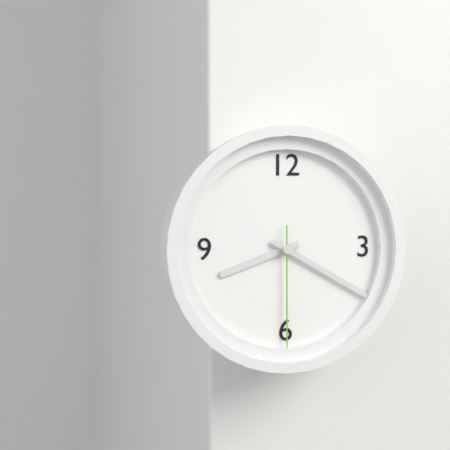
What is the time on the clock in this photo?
8:20:30
